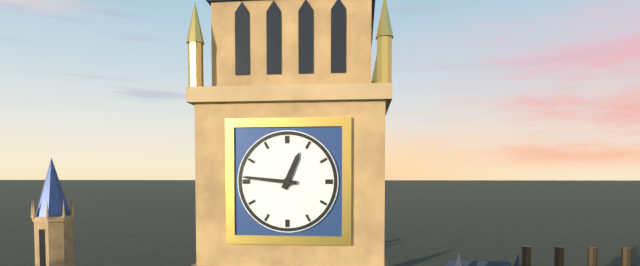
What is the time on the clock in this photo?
12:46
